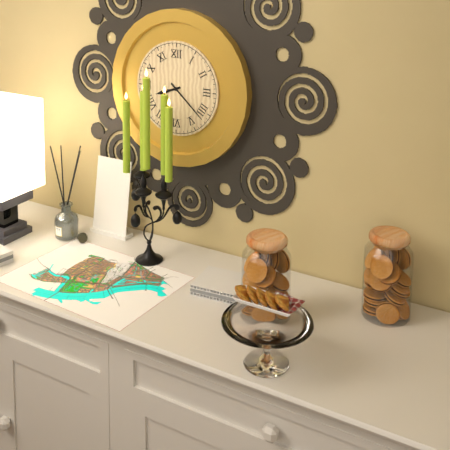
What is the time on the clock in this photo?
8:22
